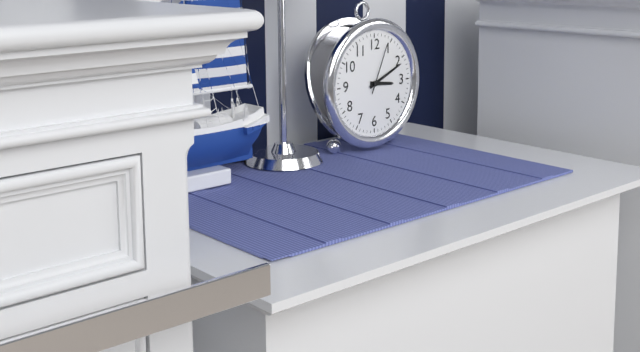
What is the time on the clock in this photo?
3:11:04
